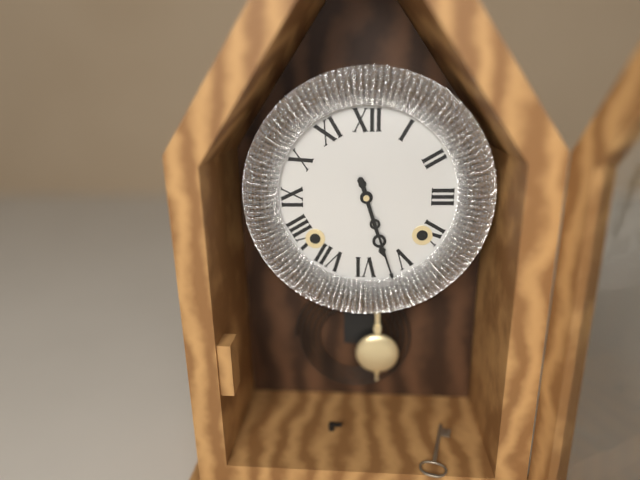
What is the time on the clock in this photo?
5:27
